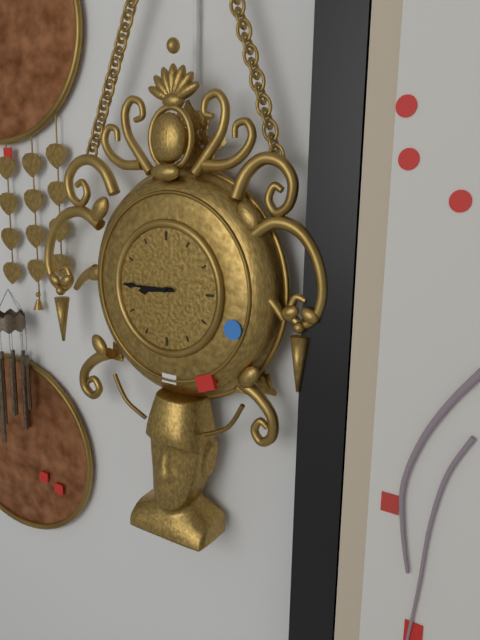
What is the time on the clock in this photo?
8:45
